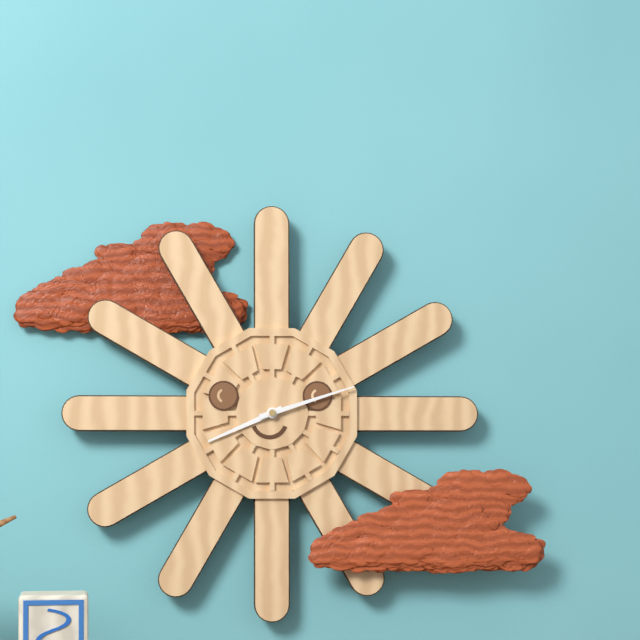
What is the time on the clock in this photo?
8:12
